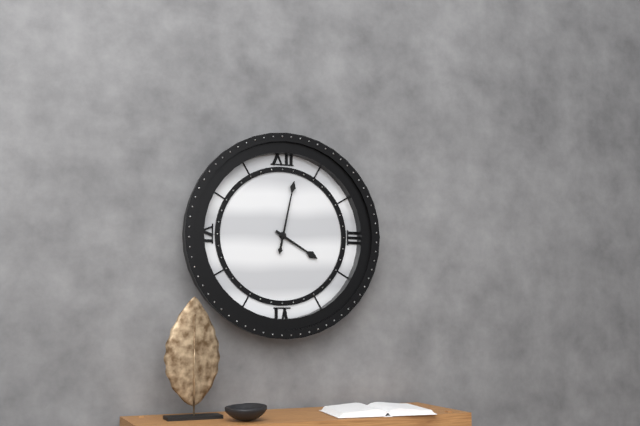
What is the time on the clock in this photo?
4:02
